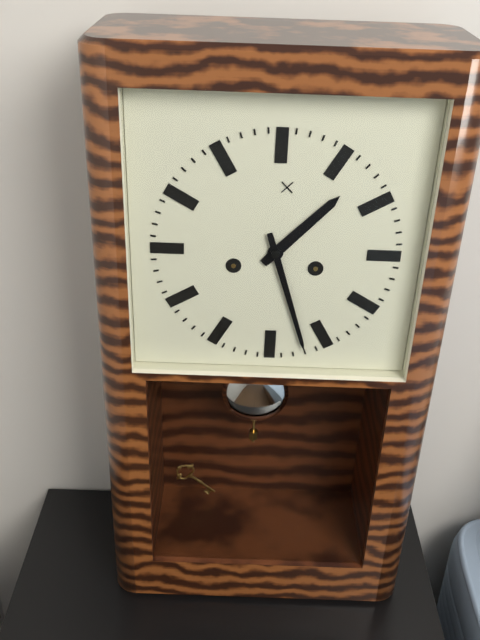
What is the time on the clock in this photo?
1:27
